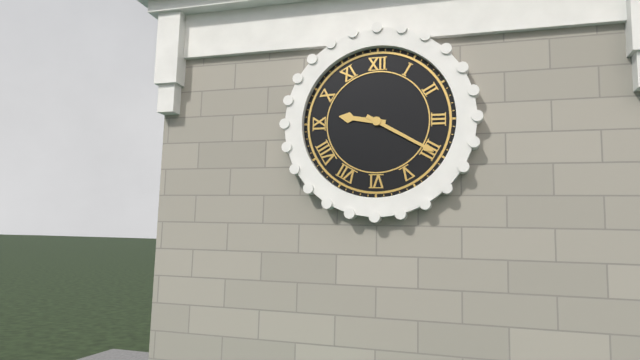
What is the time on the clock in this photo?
9:20
